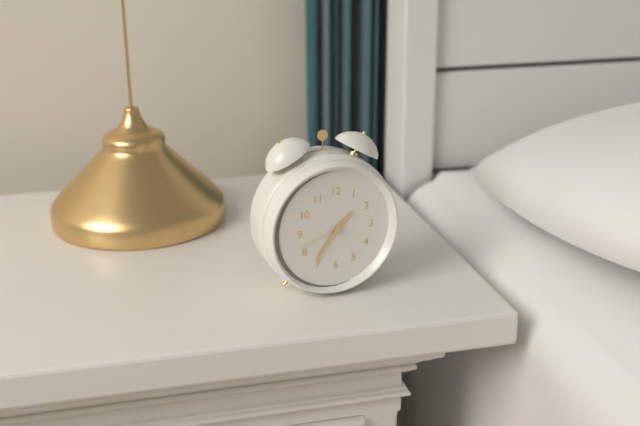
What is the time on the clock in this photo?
1:36:42
